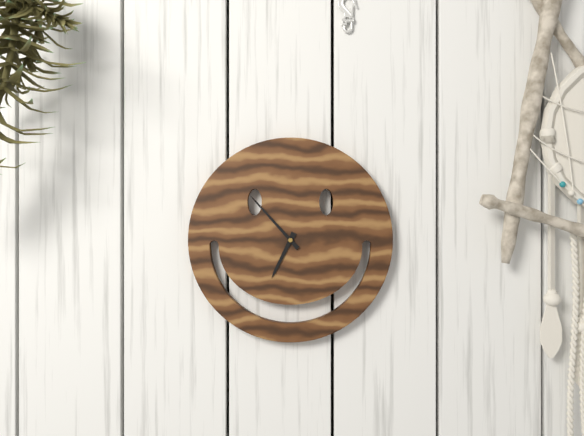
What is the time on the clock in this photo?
6:53
